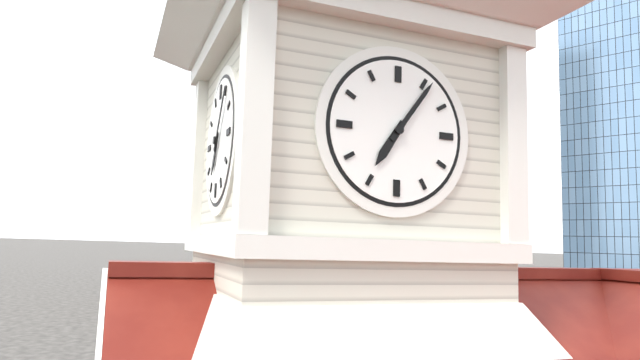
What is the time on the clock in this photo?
7:06
